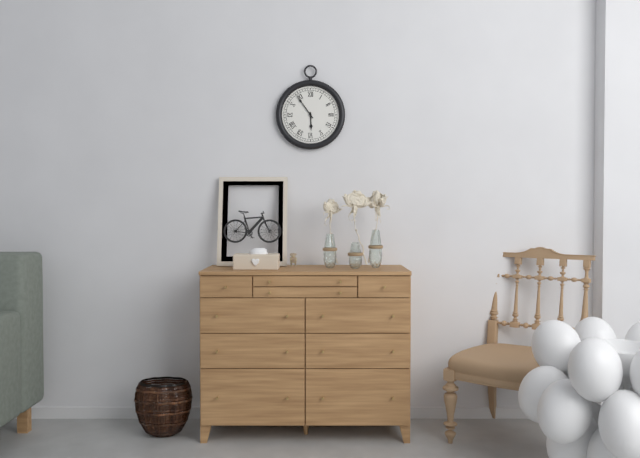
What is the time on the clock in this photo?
5:54
